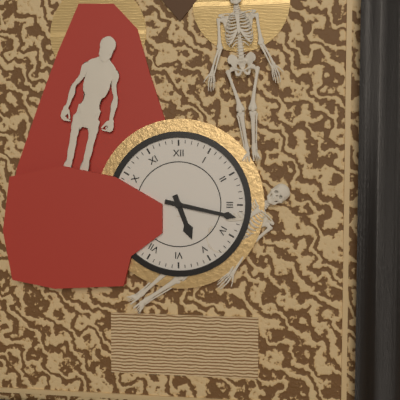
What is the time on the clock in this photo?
5:17
